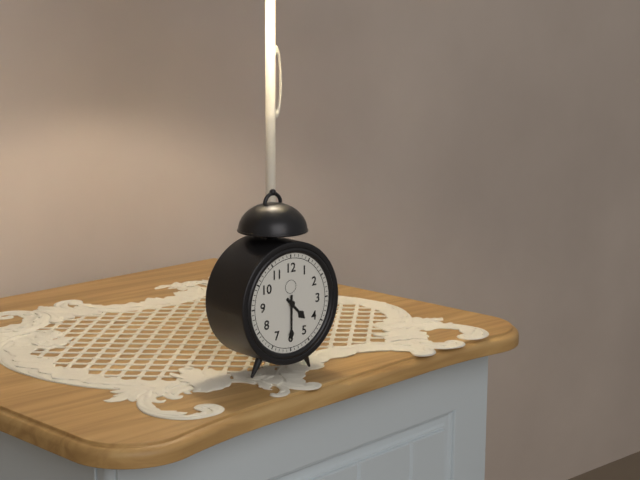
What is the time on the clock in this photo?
4:30
